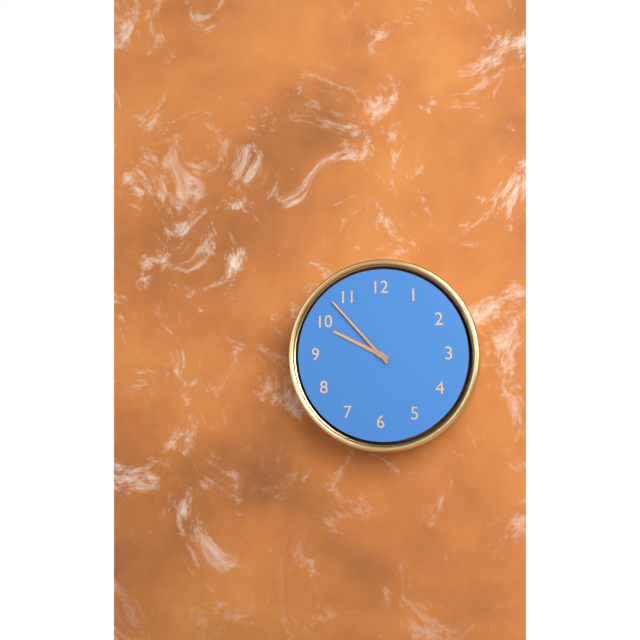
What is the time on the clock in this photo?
9:53
